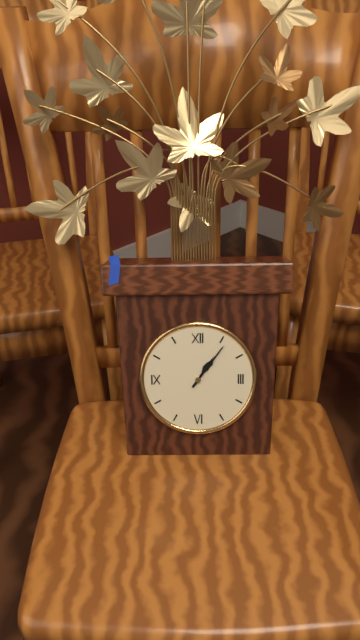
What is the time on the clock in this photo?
1:06
